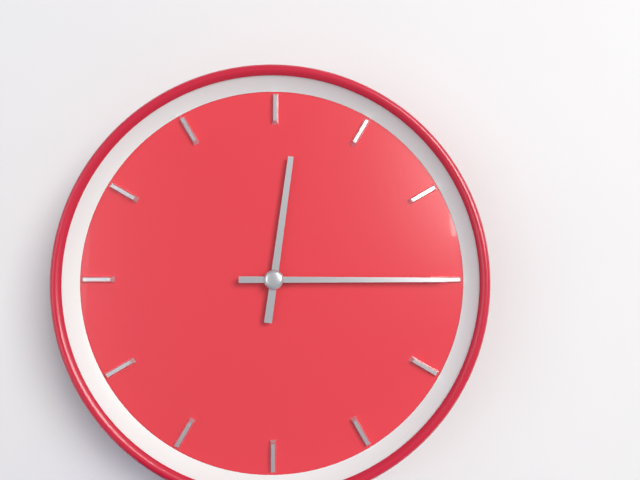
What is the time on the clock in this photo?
12:15
